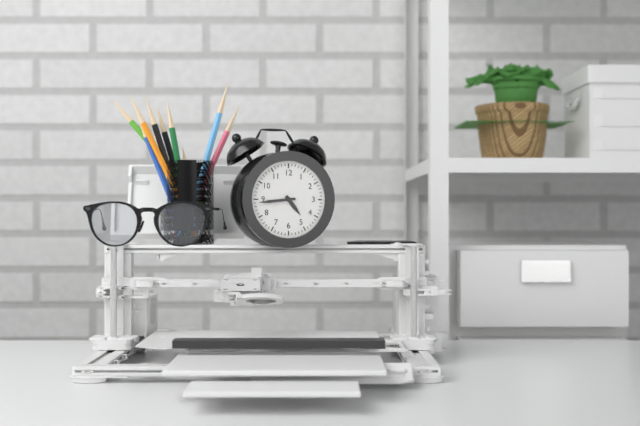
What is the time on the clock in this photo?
4:44
